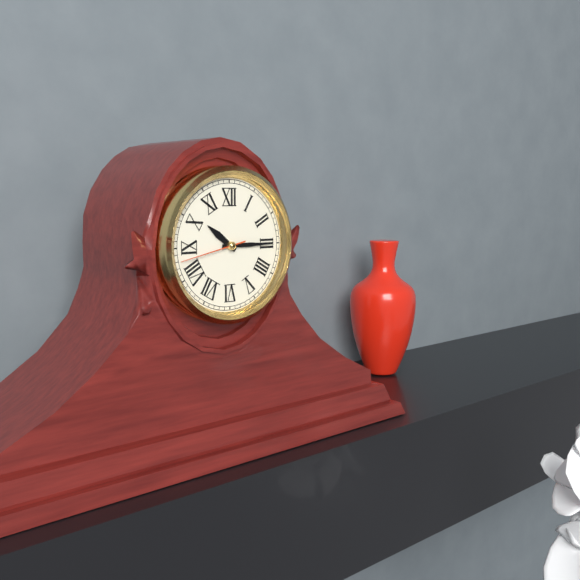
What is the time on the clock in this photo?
10:15:43
